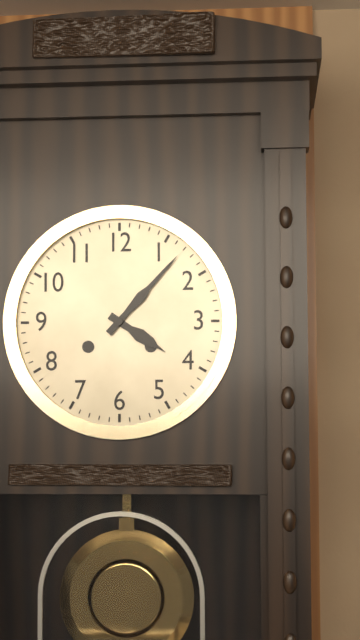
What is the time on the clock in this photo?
4:07
